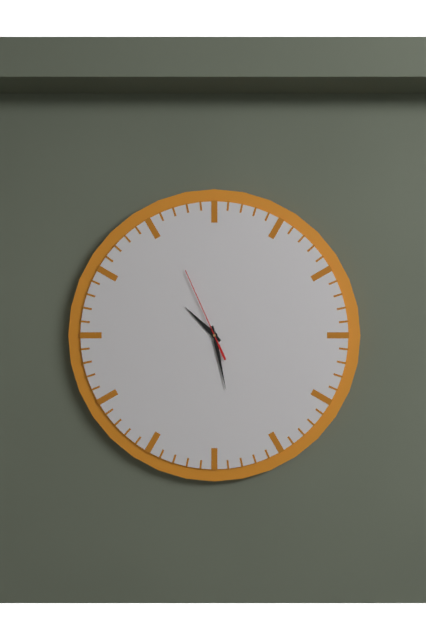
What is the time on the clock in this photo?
10:28:56
